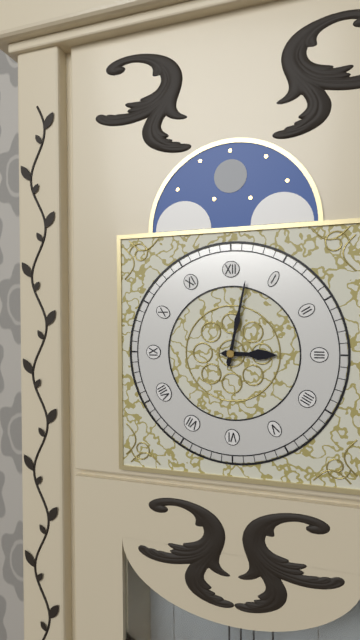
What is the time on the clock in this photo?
3:02
